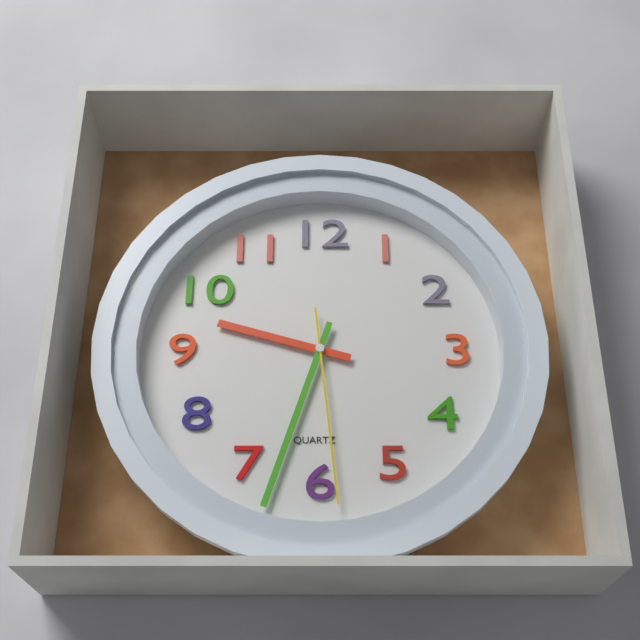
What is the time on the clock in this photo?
9:33:29
